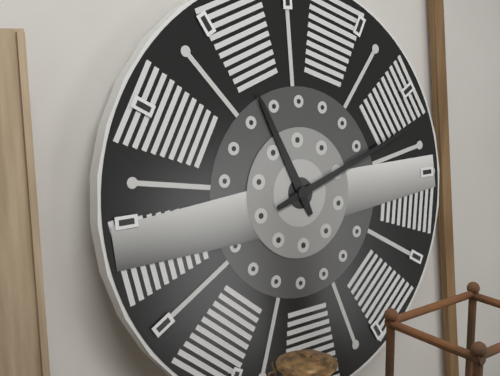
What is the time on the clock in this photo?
11:12
